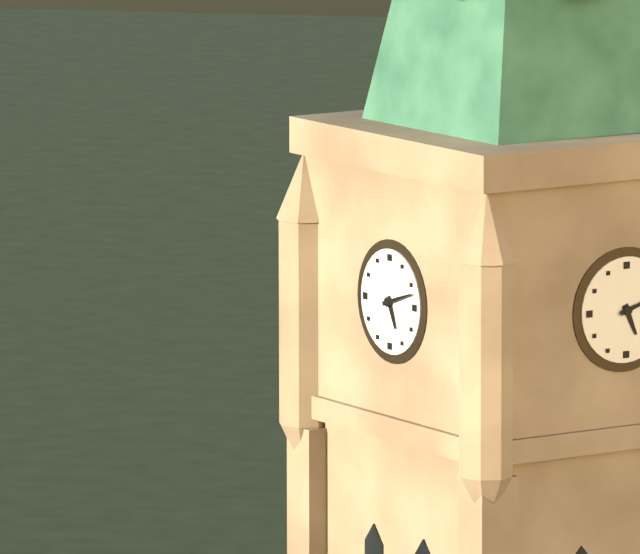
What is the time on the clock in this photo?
5:12
